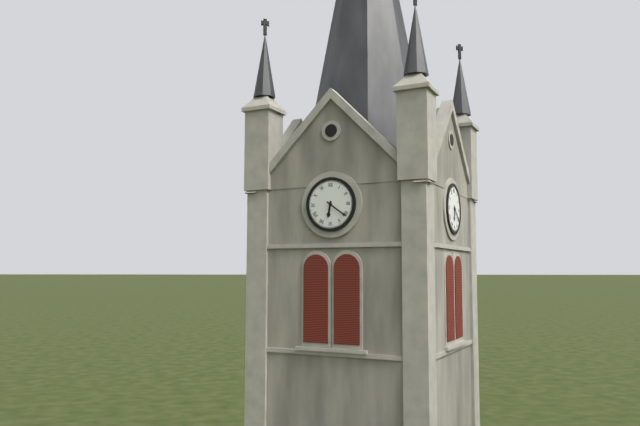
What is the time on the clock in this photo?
6:21
